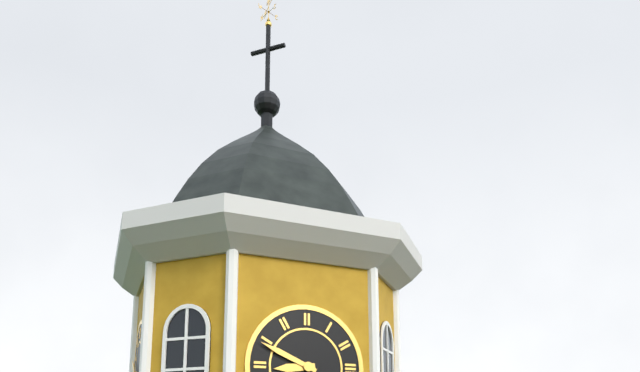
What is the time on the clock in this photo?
8:49
